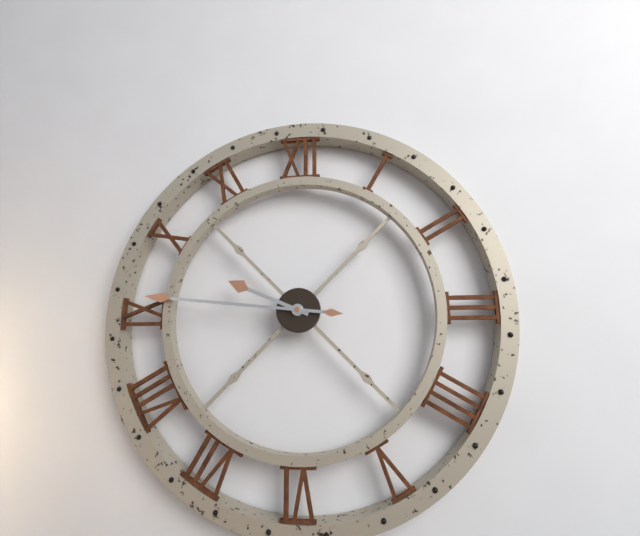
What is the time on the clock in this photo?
9:46
